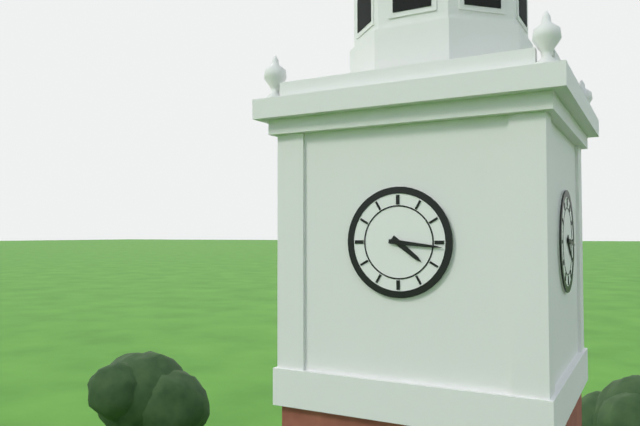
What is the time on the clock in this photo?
4:16
